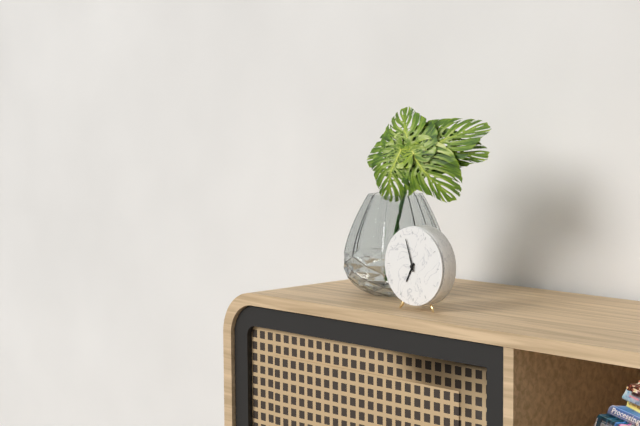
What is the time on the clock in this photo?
6:57
